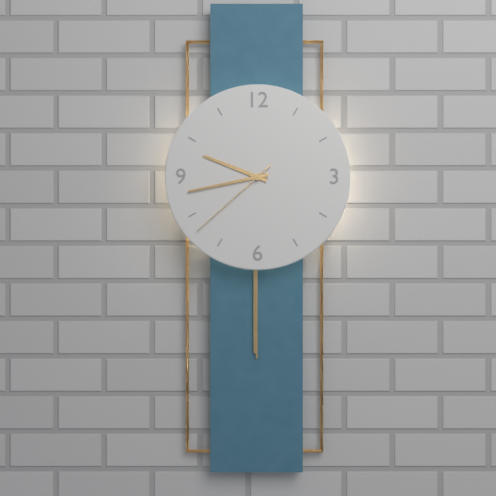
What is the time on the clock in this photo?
9:43:38
